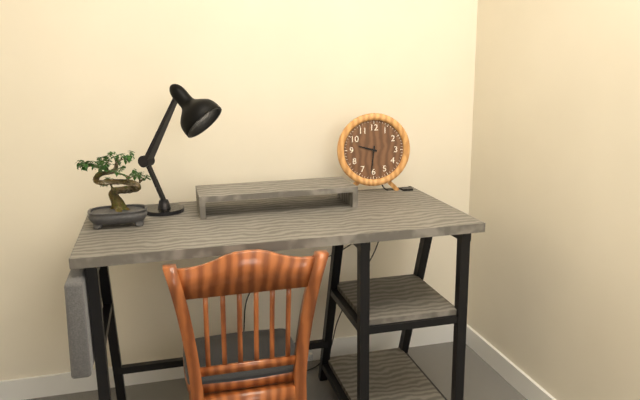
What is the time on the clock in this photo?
9:31
